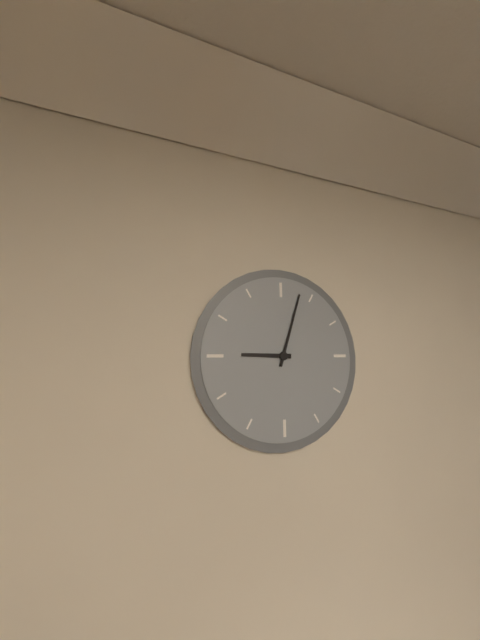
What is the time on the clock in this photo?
9:03
